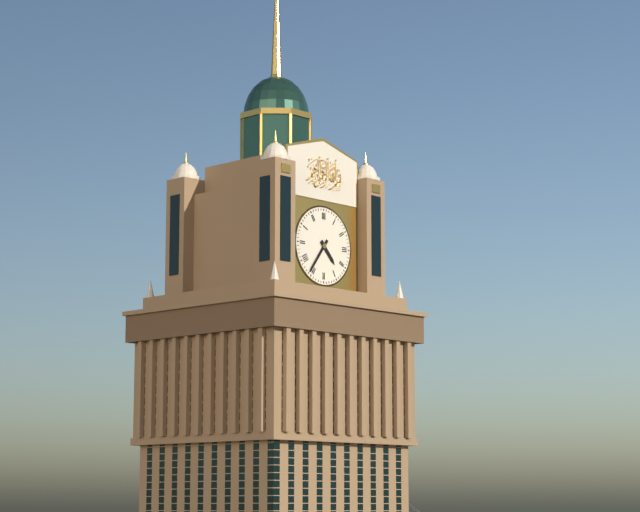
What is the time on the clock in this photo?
4:36
